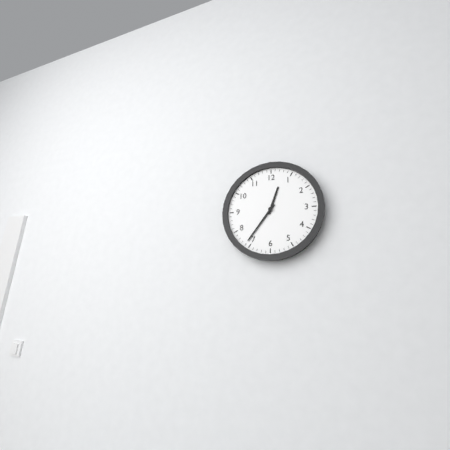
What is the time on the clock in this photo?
12:36
